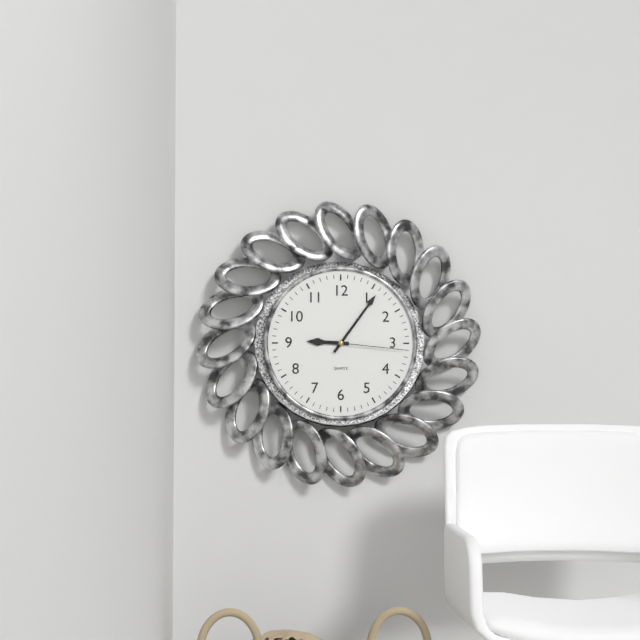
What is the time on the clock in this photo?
9:06:16
